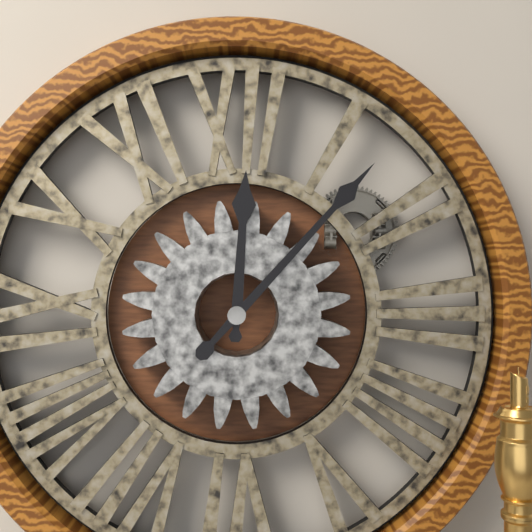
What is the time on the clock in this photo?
12:07
